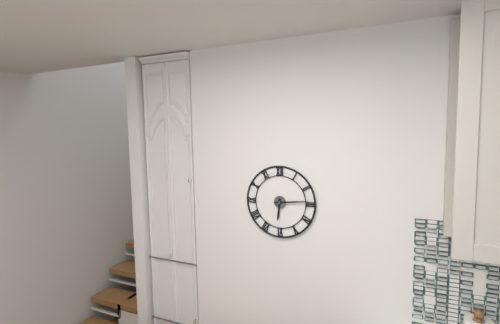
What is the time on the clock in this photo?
6:14
